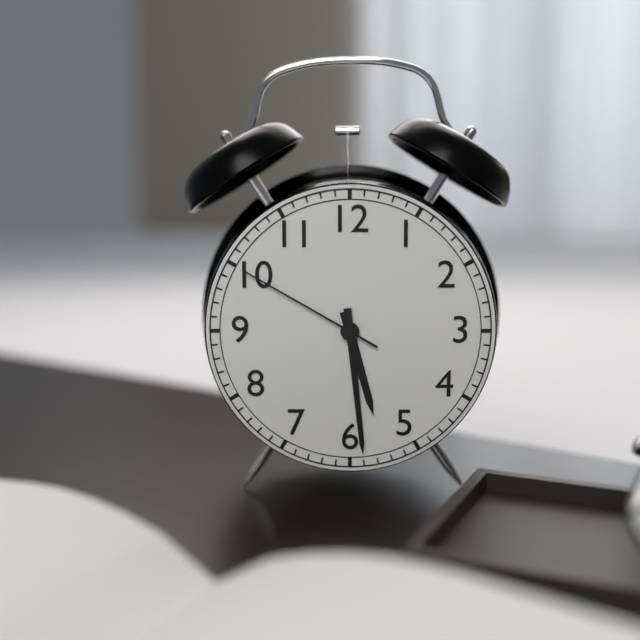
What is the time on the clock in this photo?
5:29:50
